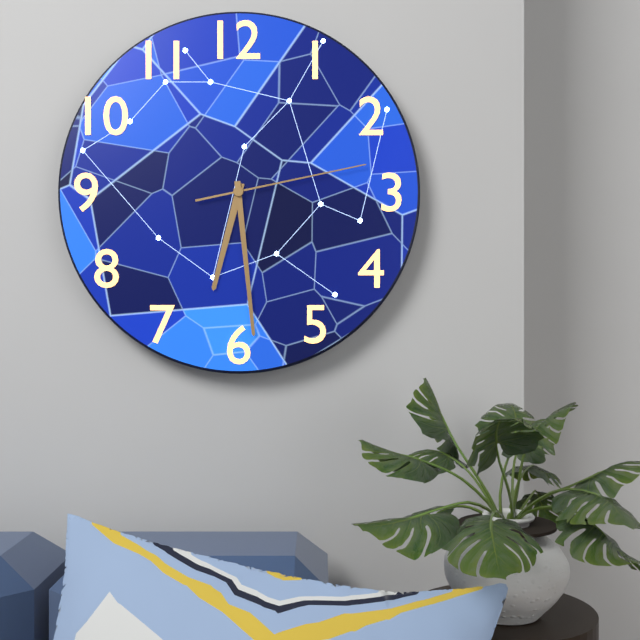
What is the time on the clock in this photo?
6:29:13
